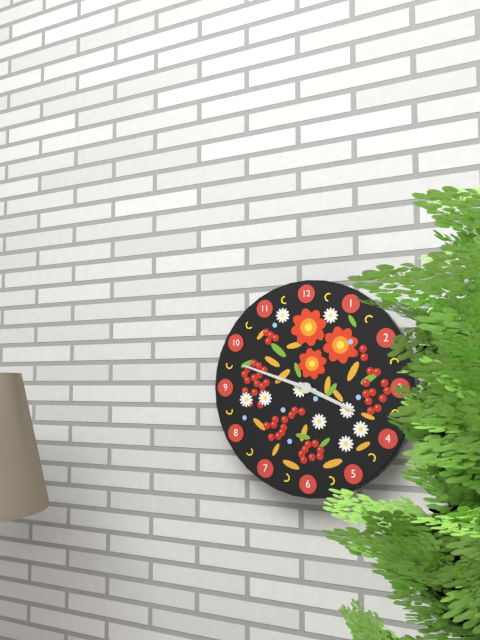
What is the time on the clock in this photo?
3:48
